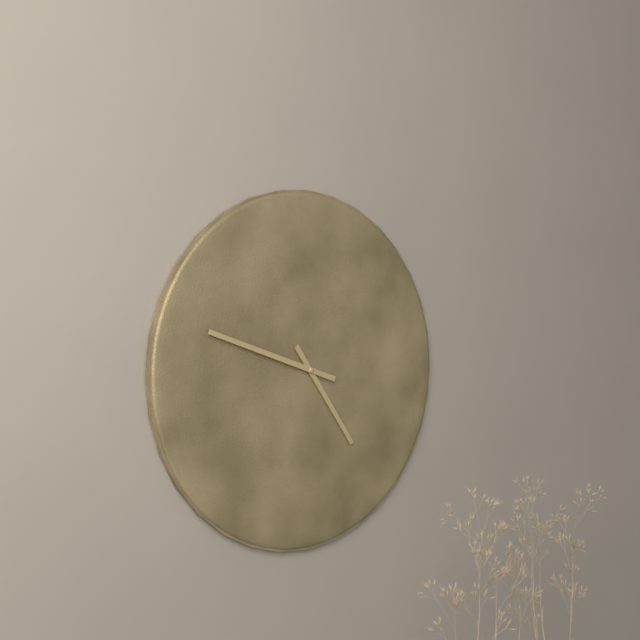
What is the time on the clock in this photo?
4:48
